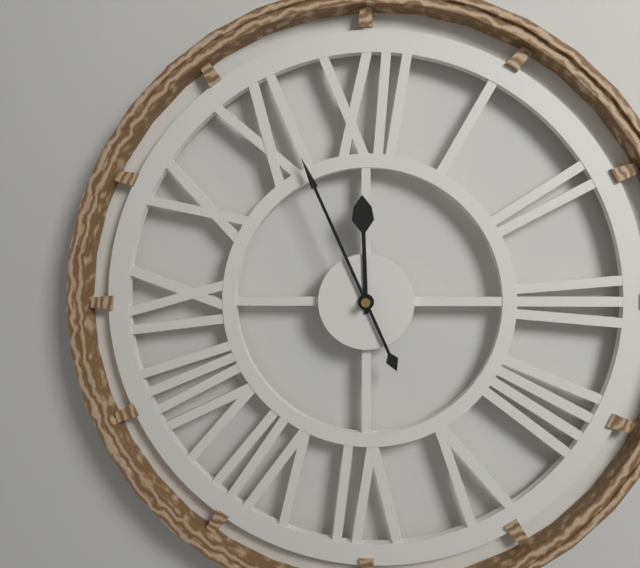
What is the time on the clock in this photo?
11:56
